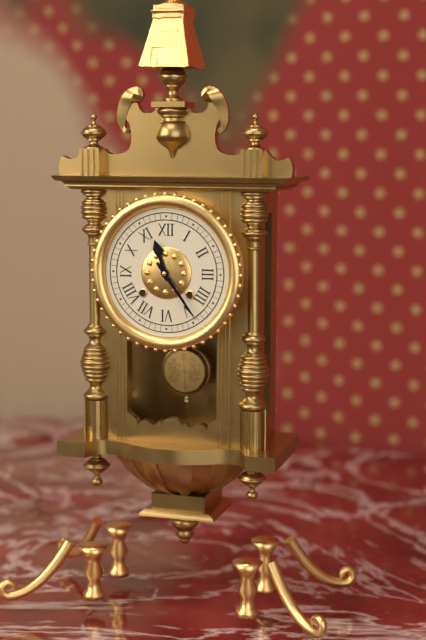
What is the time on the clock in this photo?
11:24
